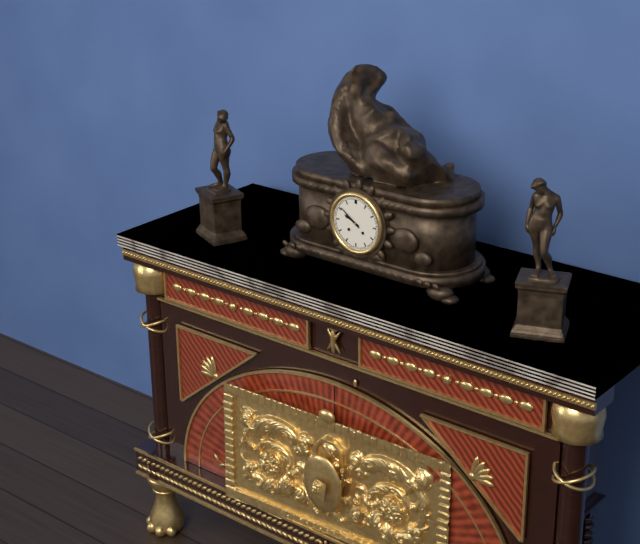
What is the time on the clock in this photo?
9:51
